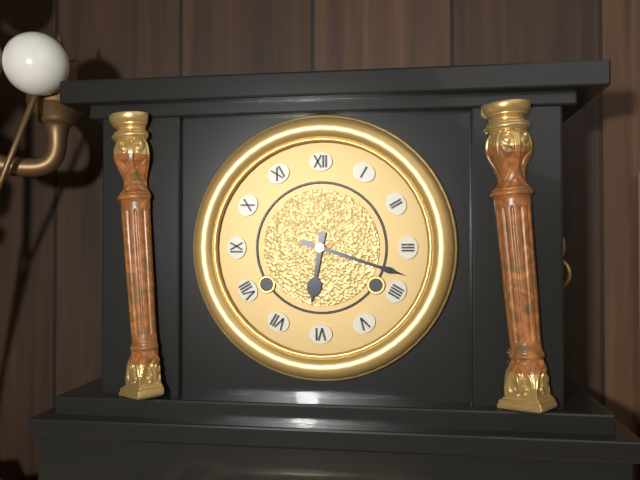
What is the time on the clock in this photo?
6:18
